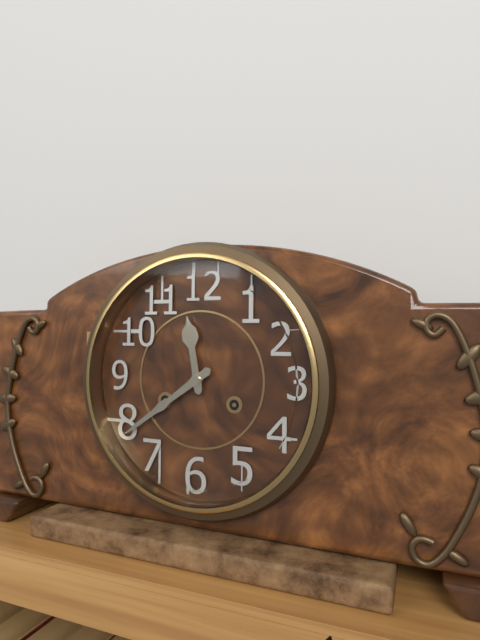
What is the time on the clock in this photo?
11:39
